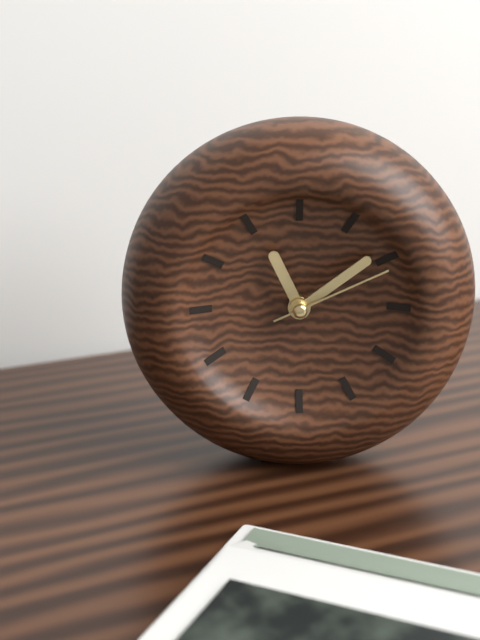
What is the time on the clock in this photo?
11:09:11
